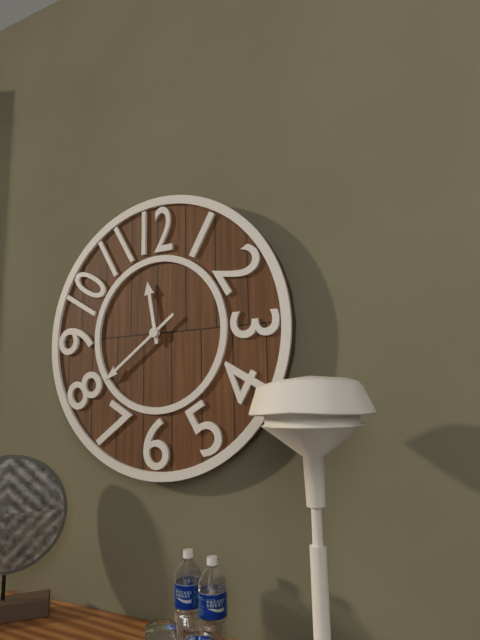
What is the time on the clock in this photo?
11:39
